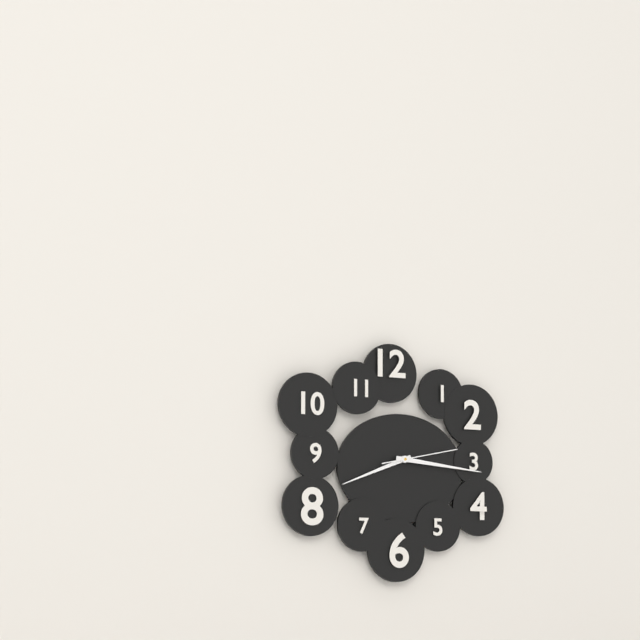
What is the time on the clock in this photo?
8:16:13
